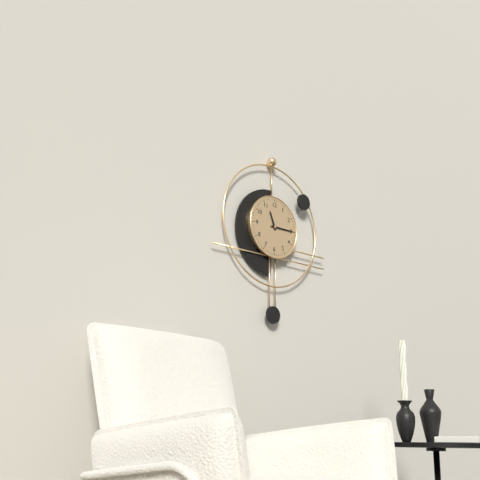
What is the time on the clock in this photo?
11:15
